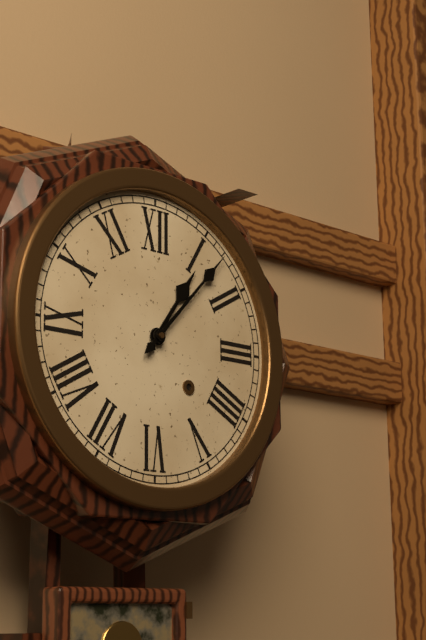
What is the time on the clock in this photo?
1:07
